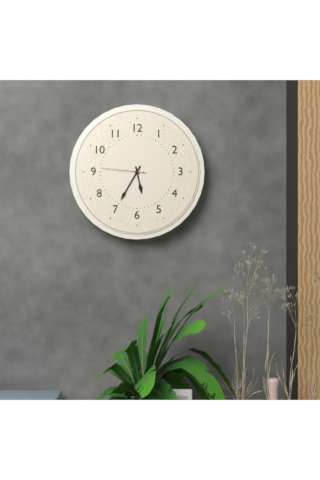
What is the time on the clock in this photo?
5:35
